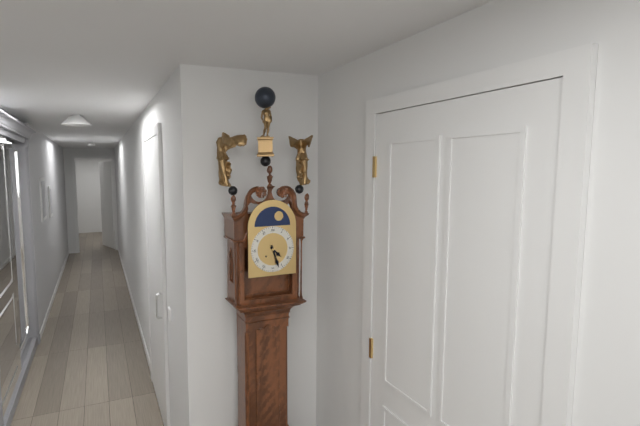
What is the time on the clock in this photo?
4:27
